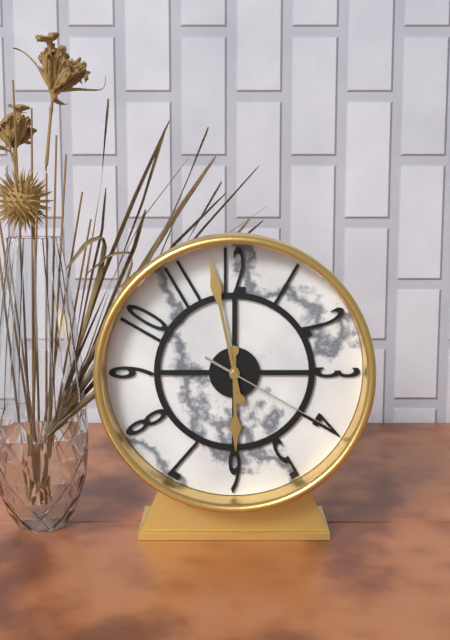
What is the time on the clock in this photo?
5:58:20
